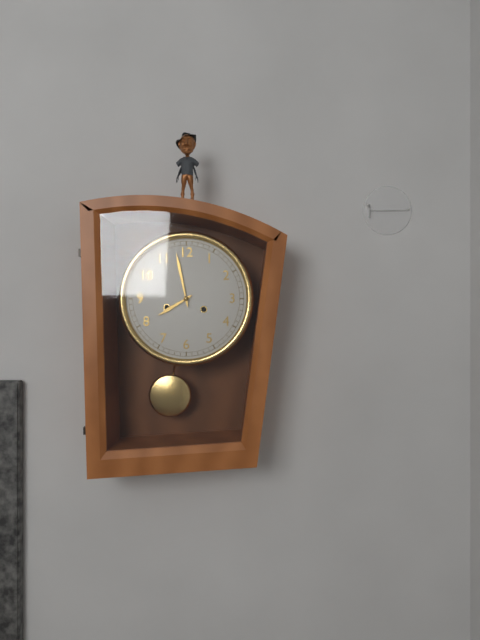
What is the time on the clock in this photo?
7:58
